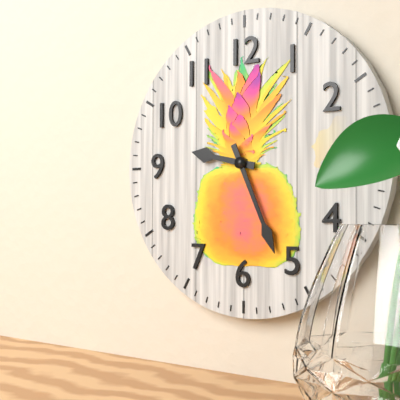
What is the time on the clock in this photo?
9:26
